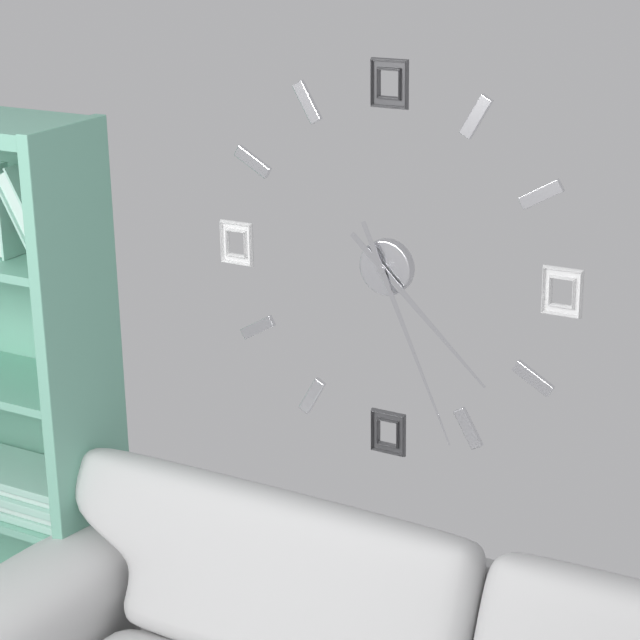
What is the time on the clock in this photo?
4:26
